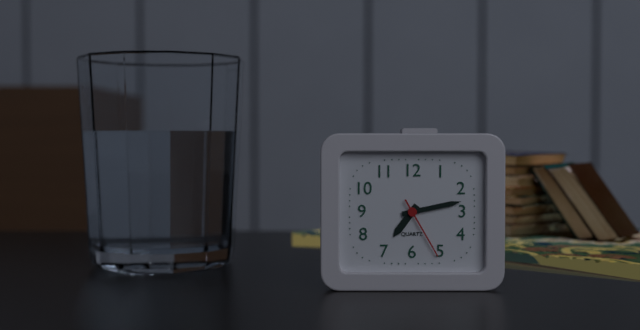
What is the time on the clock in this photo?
7:13:25
